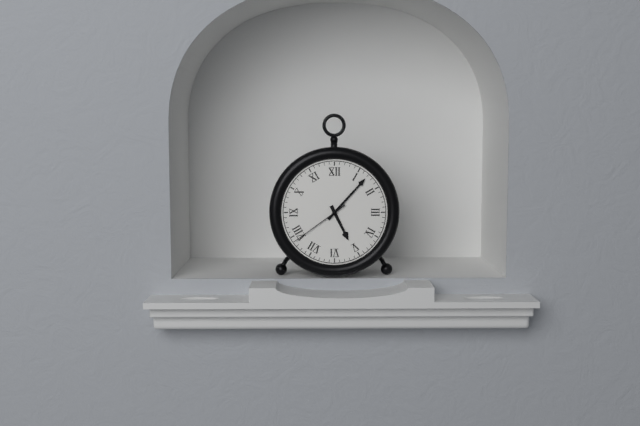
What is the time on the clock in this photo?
5:07:39
